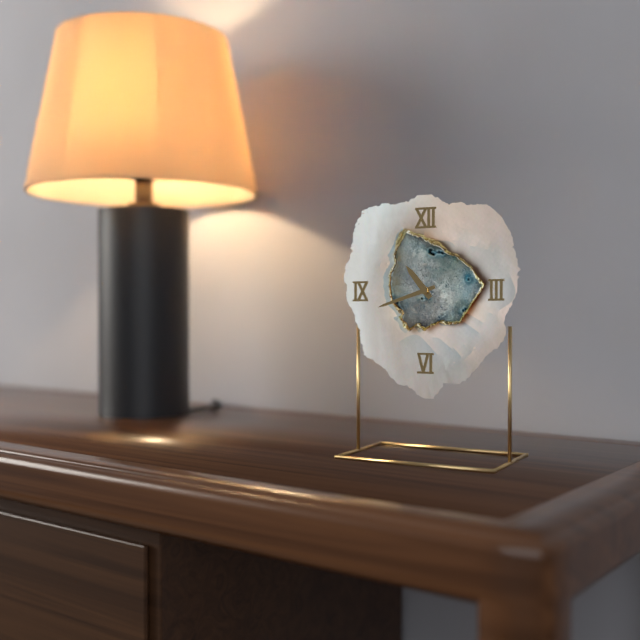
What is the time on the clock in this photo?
10:42
